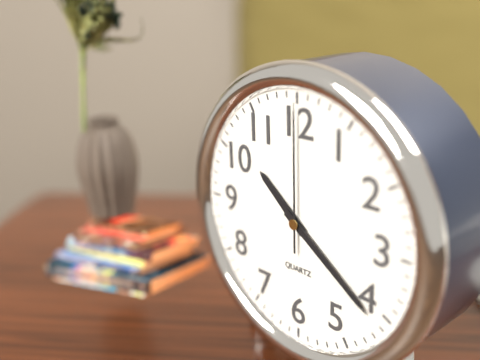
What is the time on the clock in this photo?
10:21:00
